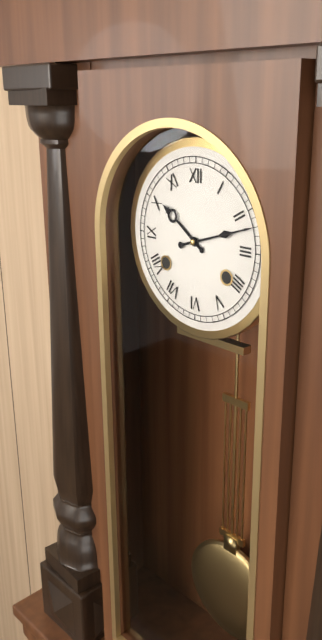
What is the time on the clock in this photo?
10:12
